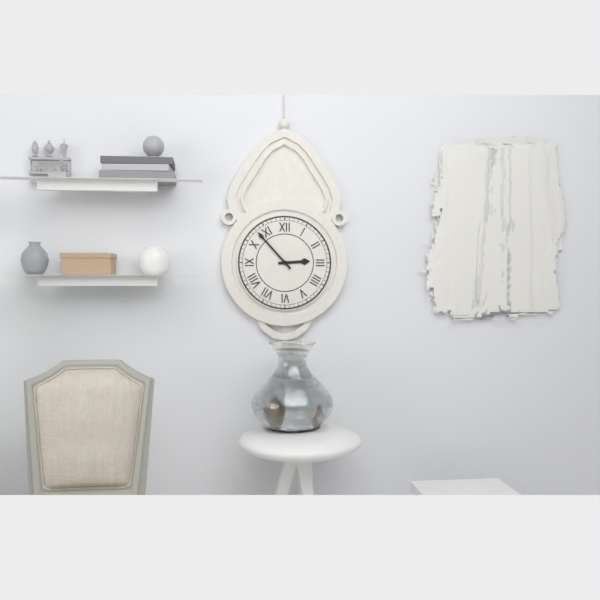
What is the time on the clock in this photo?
2:53
